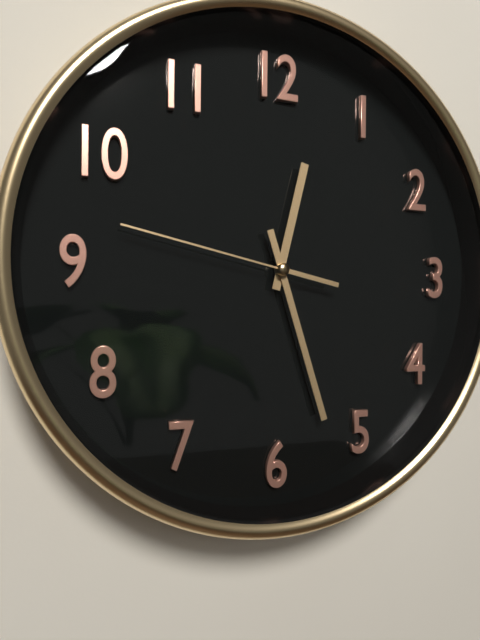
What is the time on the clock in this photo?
12:27:47
